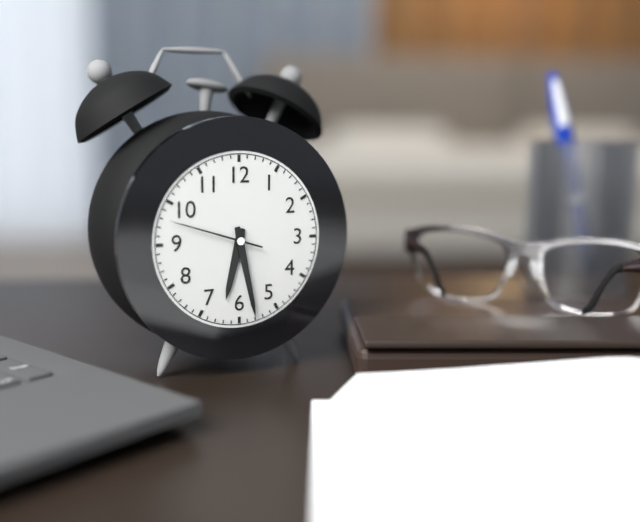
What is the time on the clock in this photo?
6:28:48
